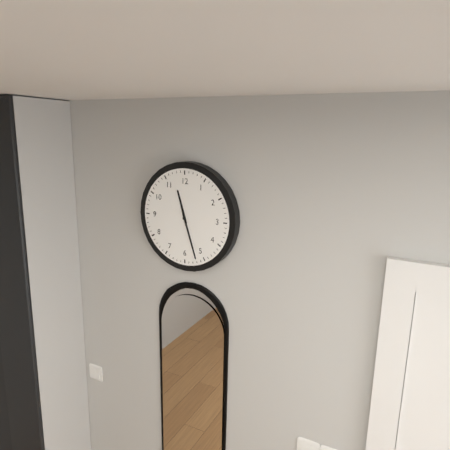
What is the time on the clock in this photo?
11:27
